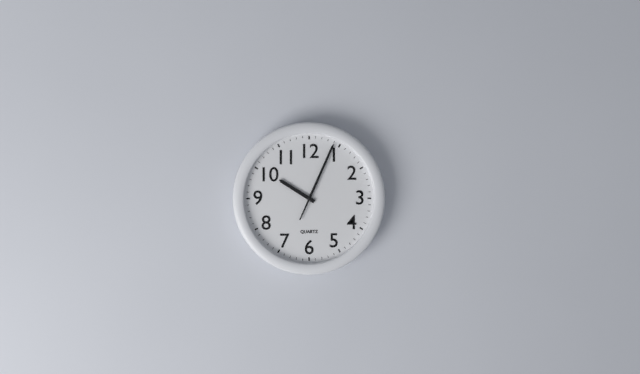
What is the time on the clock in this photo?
10:04
